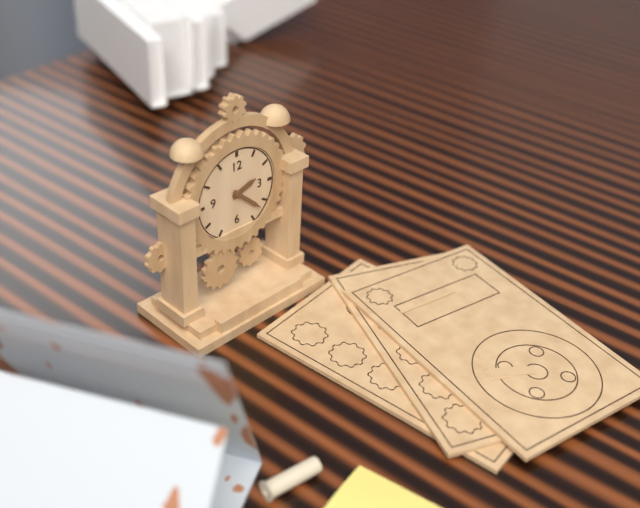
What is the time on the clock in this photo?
2:22
